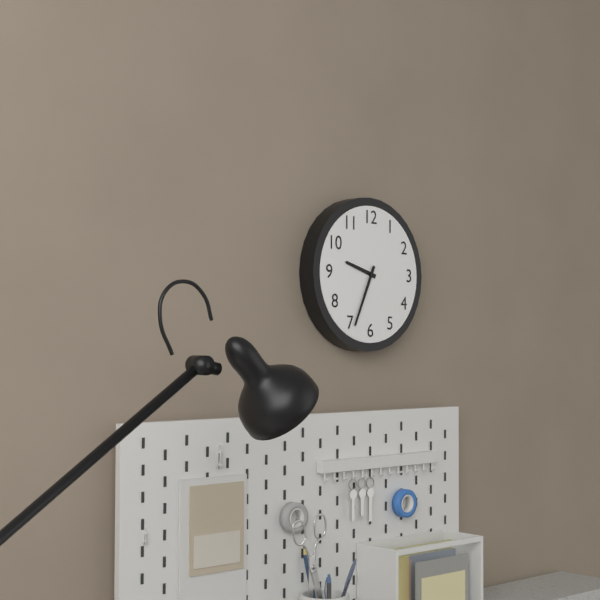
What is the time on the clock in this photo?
9:34
